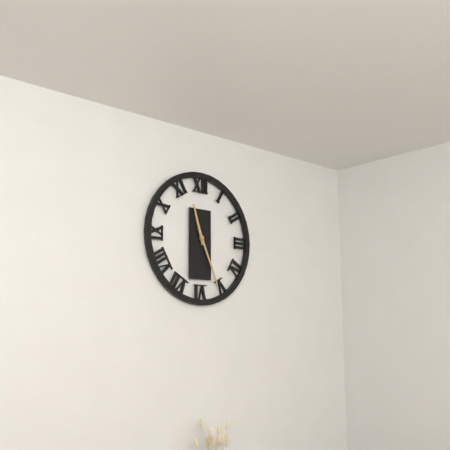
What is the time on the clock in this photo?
11:26
